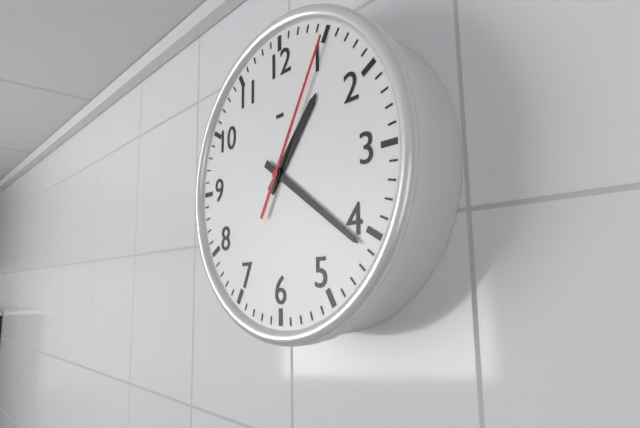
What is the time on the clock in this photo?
1:21:05
